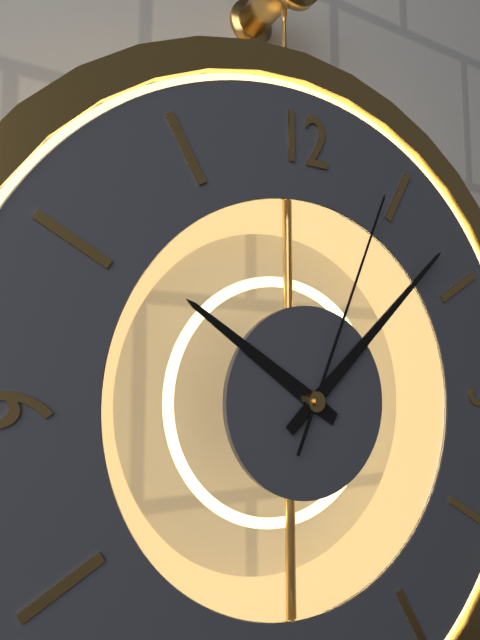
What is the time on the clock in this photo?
10:08:04
